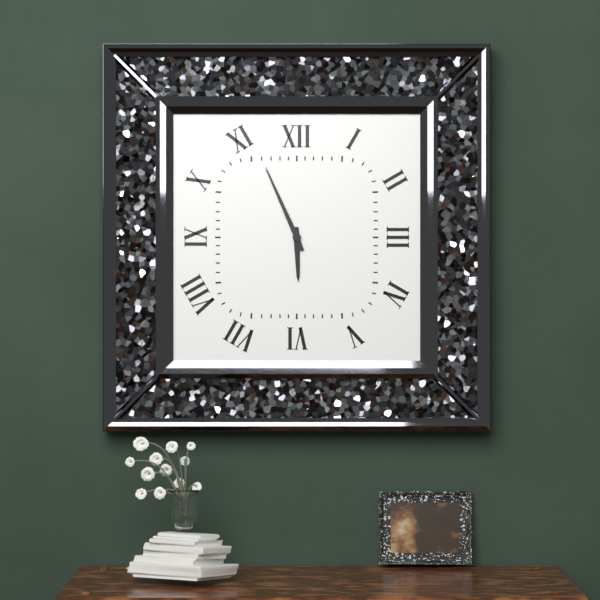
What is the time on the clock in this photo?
5:56
